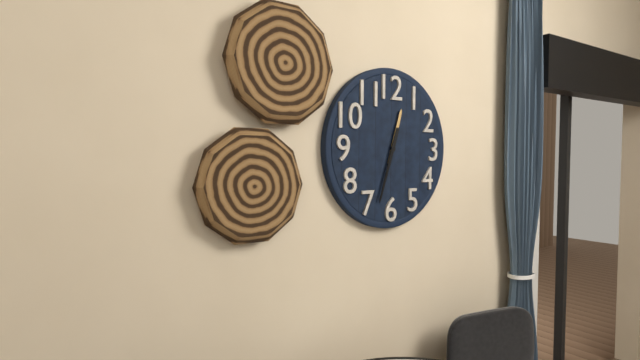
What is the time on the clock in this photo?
12:33
